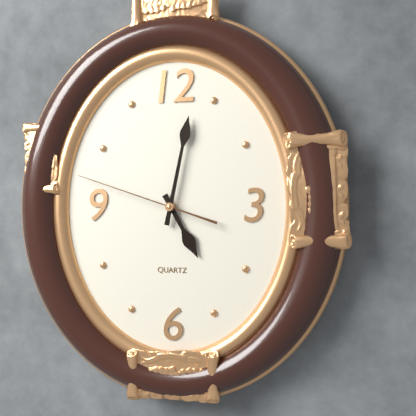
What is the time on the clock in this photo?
5:02:48
